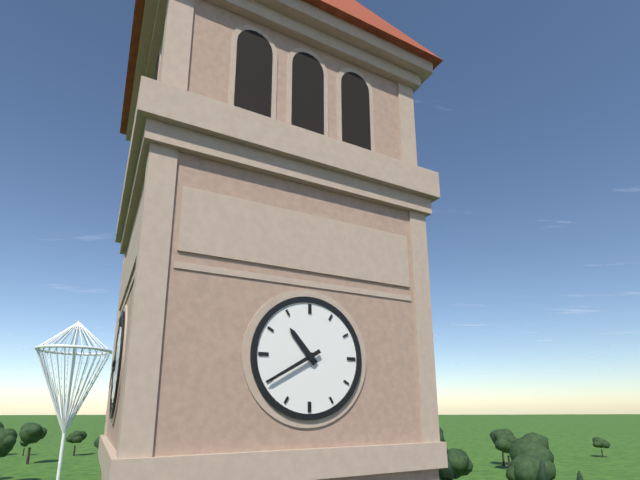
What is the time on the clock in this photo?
10:40
